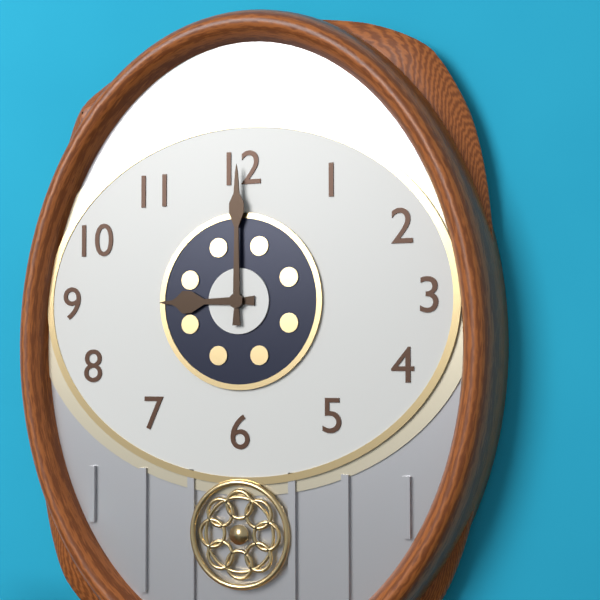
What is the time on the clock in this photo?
9:00
